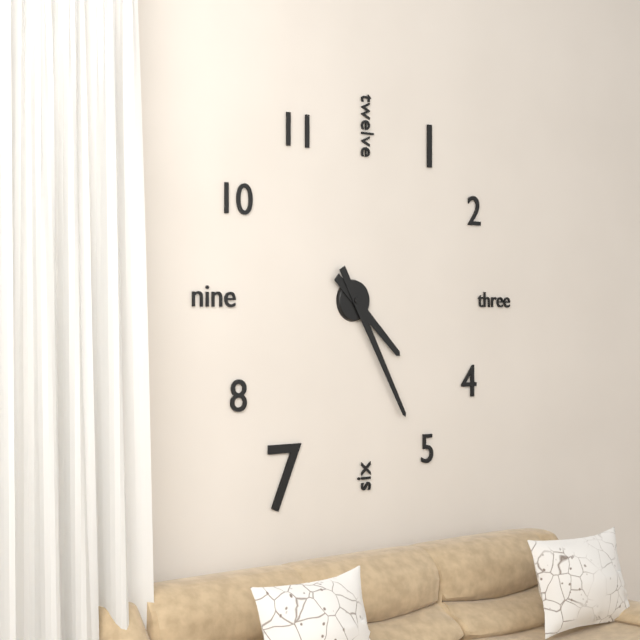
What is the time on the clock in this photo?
4:25
